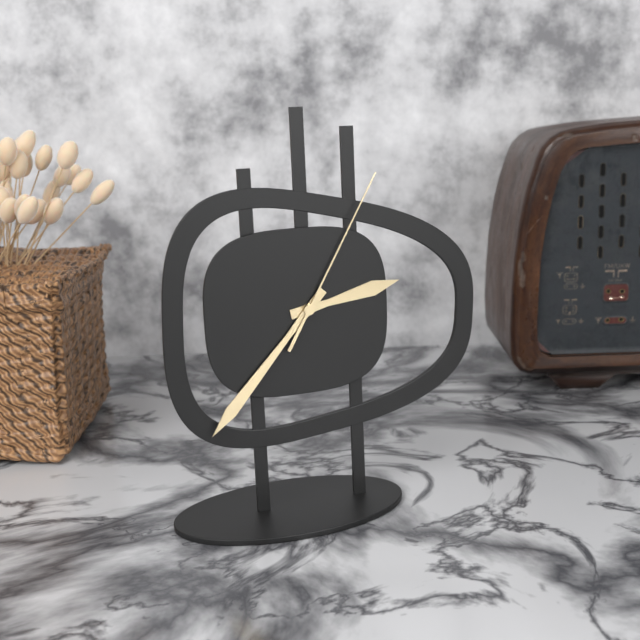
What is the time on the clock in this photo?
2:37:05
